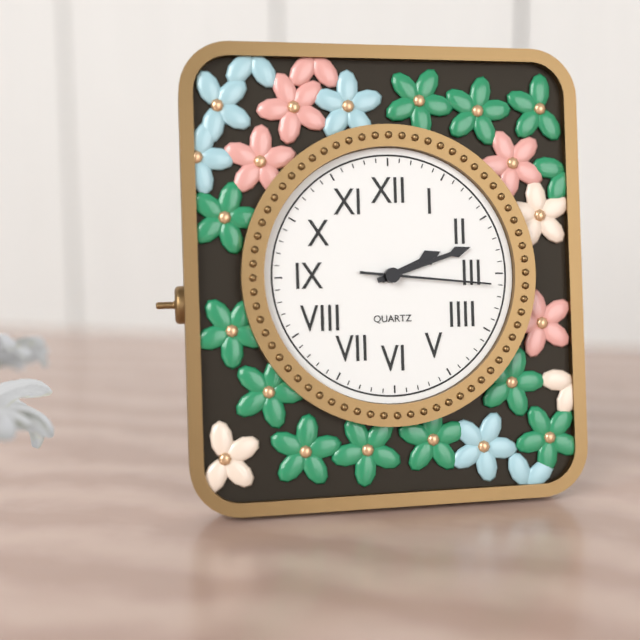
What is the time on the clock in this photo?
2:12:16
